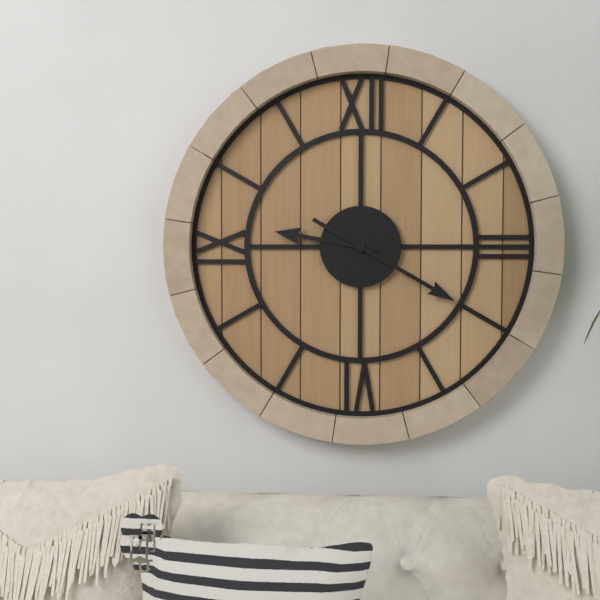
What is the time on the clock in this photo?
9:20
